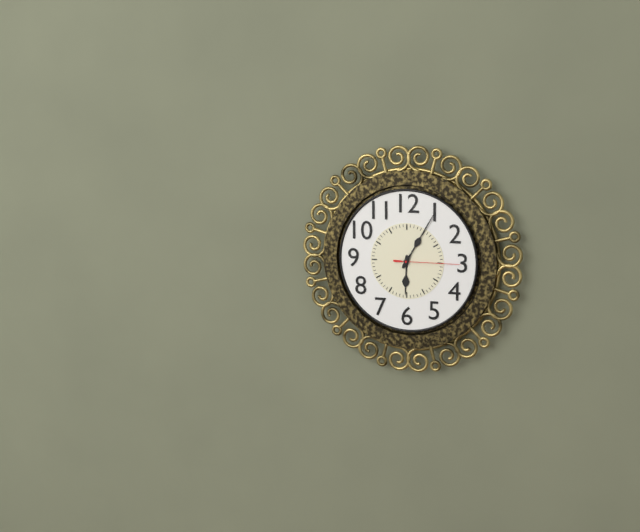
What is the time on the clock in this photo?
6:05:15
